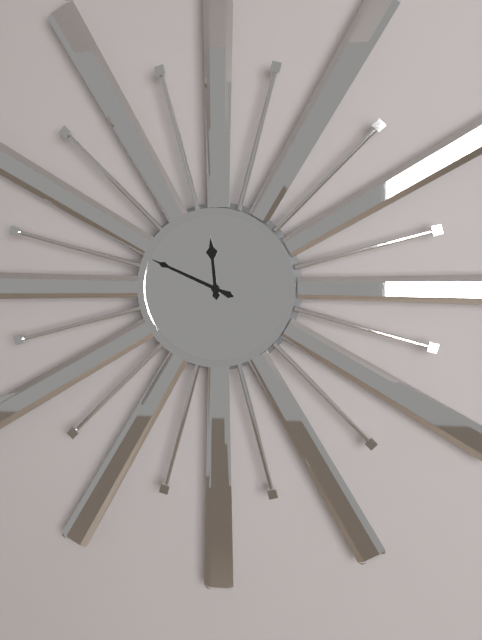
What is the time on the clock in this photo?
11:49
